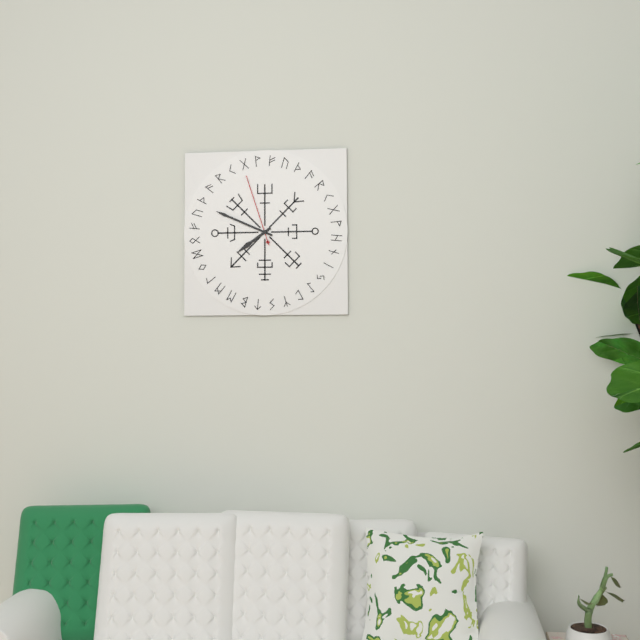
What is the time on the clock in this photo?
7:49:57
